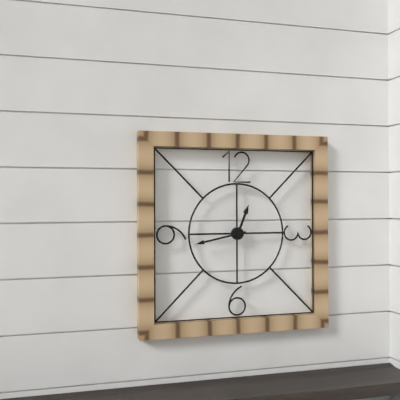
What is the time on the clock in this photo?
12:43
